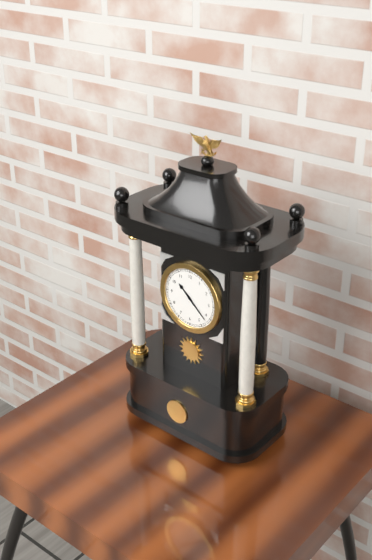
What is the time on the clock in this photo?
10:22
